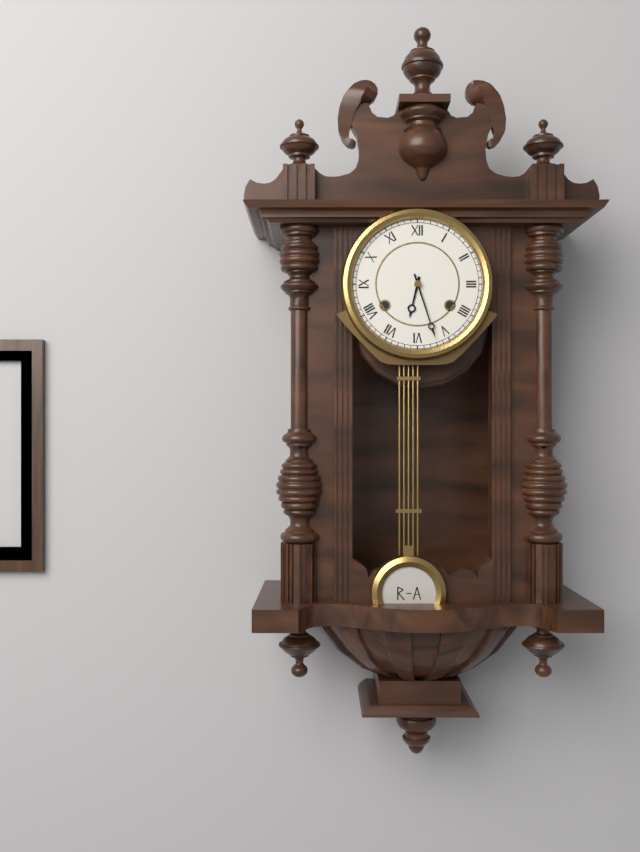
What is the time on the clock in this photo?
6:27
